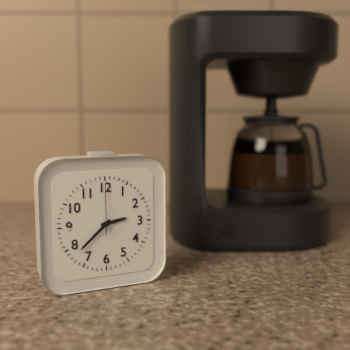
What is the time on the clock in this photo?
2:38:00
